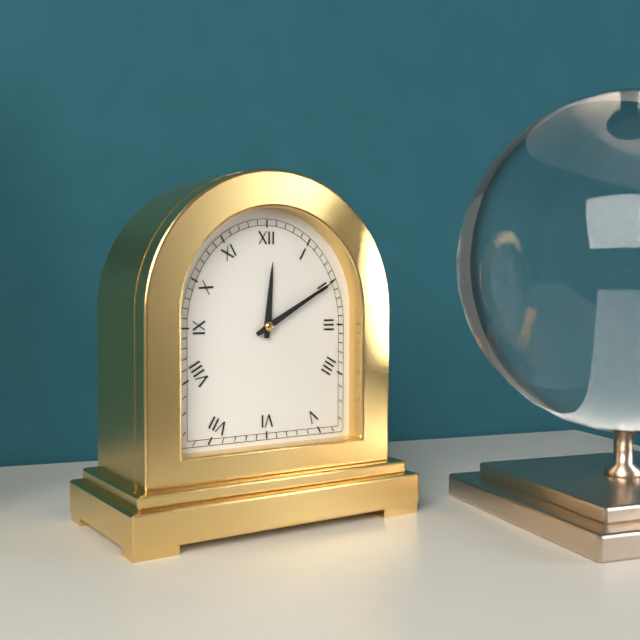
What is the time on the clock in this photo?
12:10
